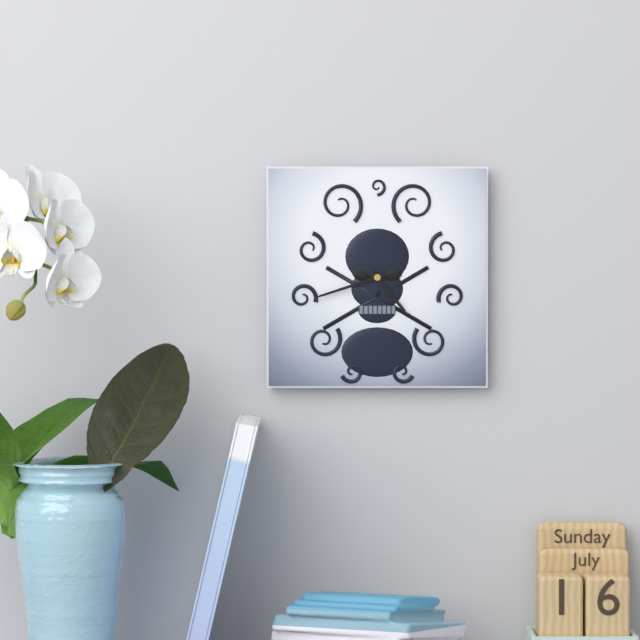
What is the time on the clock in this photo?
4:42
